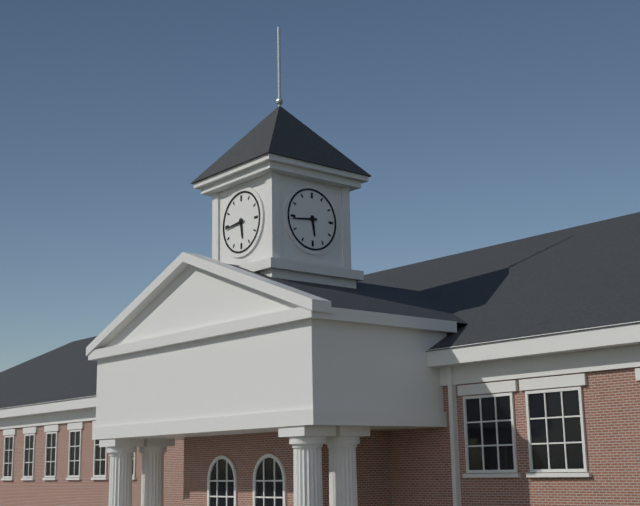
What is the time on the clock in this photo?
5:44
